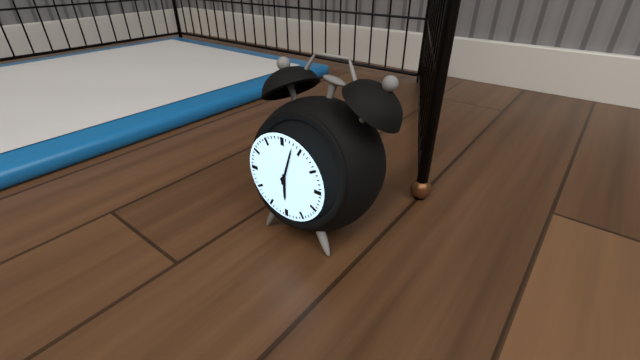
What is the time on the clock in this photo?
6:03
